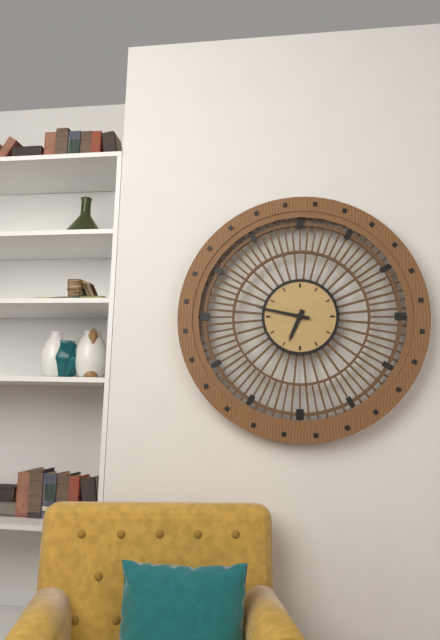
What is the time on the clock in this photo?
6:47
